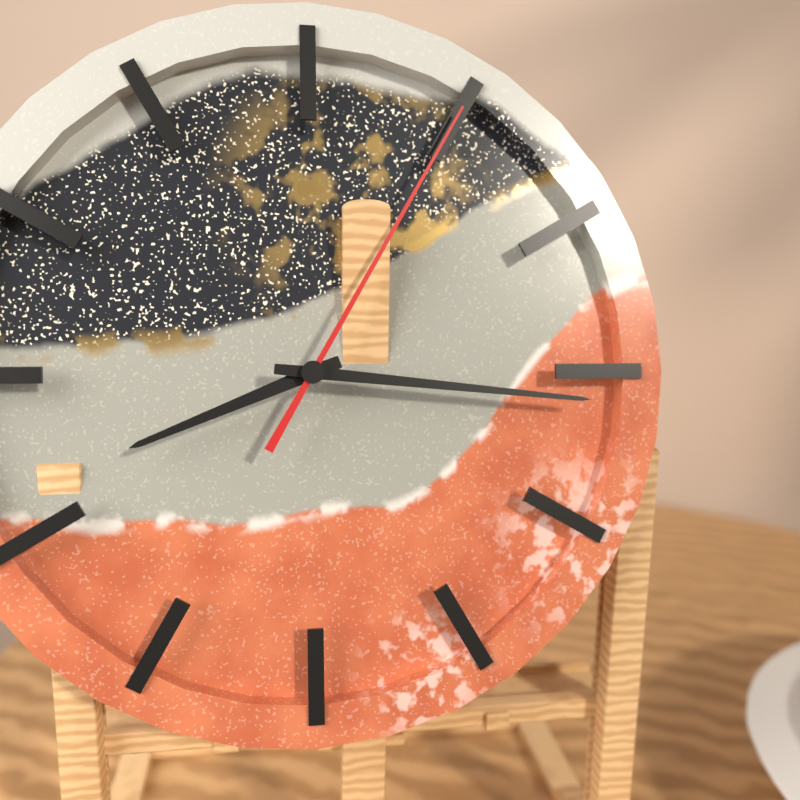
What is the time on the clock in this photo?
8:16:05
